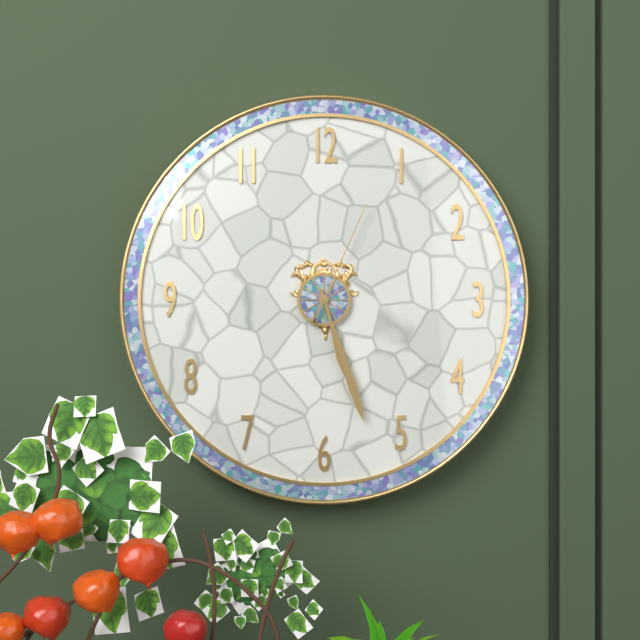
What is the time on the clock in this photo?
5:27:04
